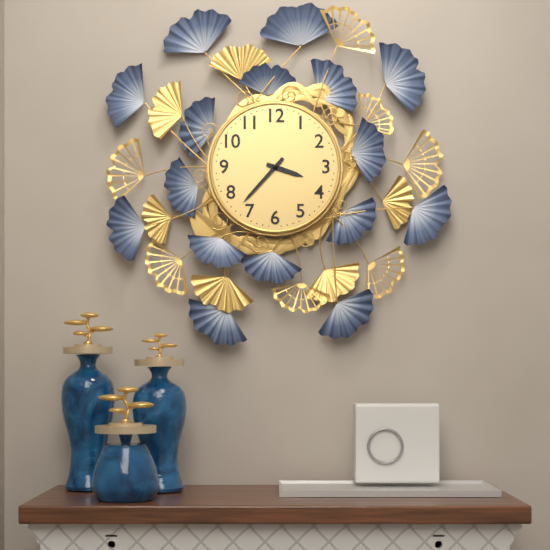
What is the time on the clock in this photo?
3:37
